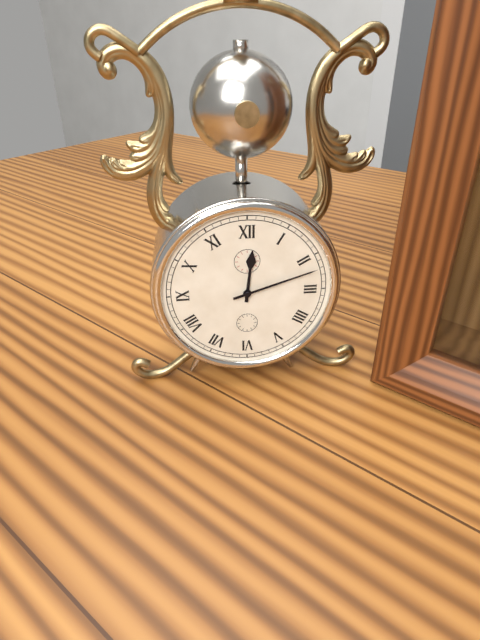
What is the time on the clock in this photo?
12:12
